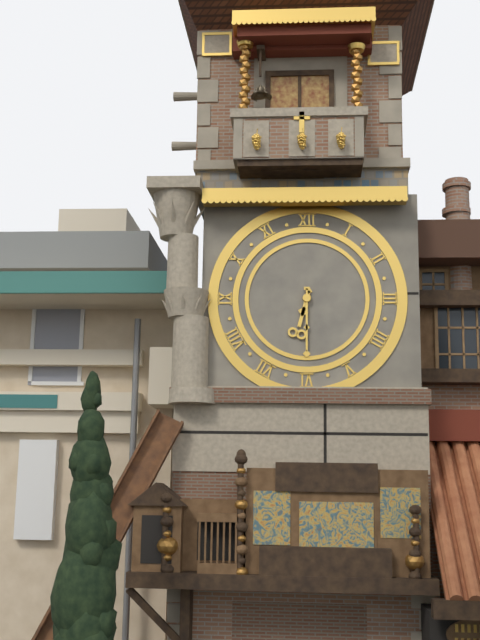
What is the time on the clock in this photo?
6:30
